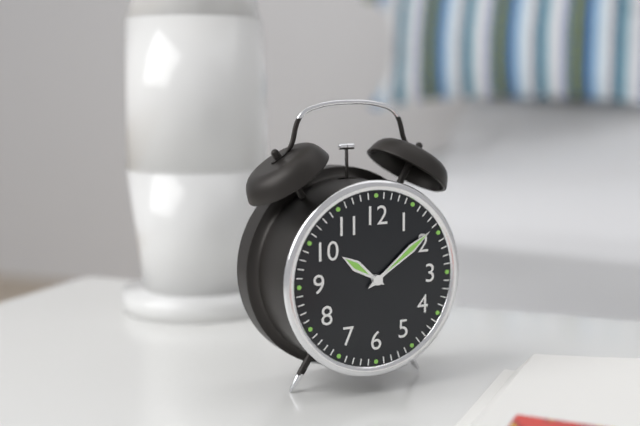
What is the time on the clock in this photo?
10:09
